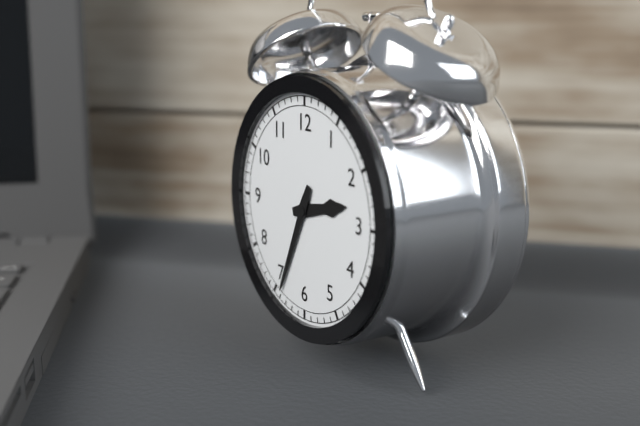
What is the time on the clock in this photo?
2:34
